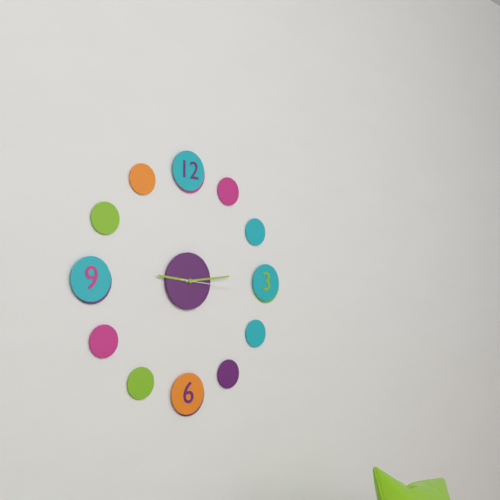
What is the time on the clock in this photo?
9:14:16
